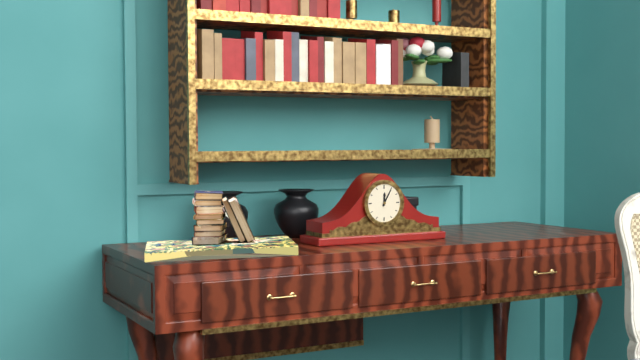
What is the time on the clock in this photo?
12:05
